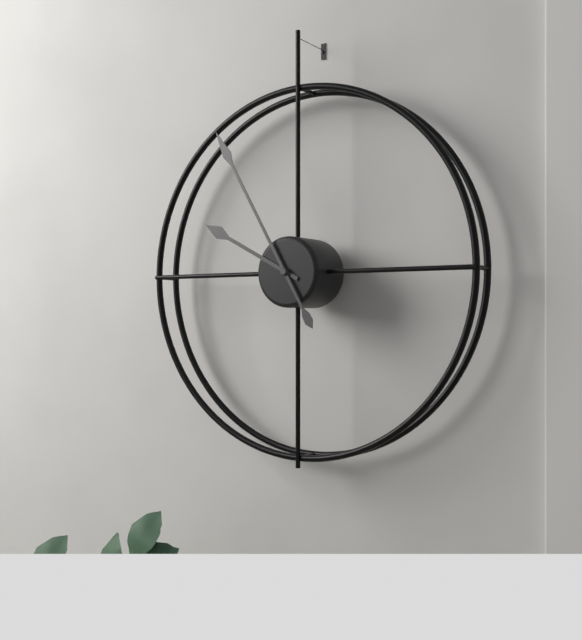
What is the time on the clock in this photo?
9:55
